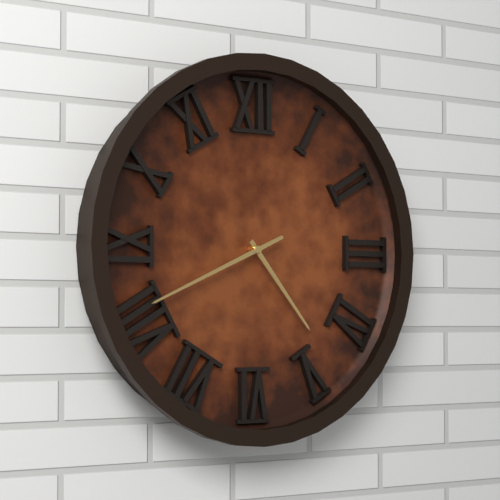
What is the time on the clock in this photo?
4:41
